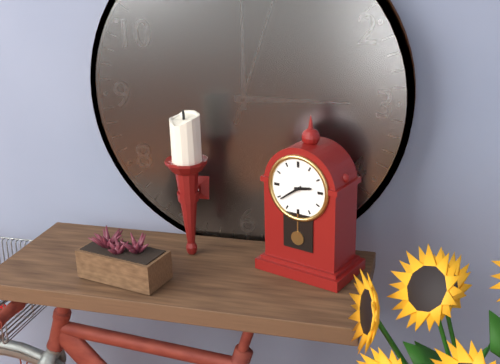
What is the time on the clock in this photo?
2:39
